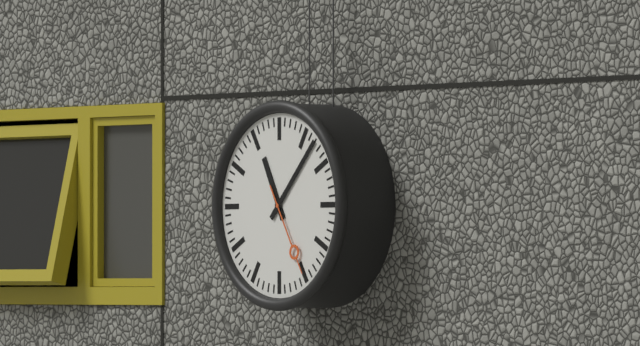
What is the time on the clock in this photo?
11:07:25
